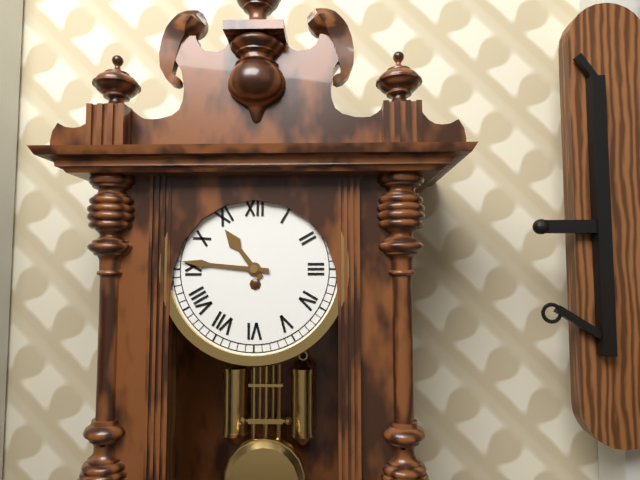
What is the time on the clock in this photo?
10:46
